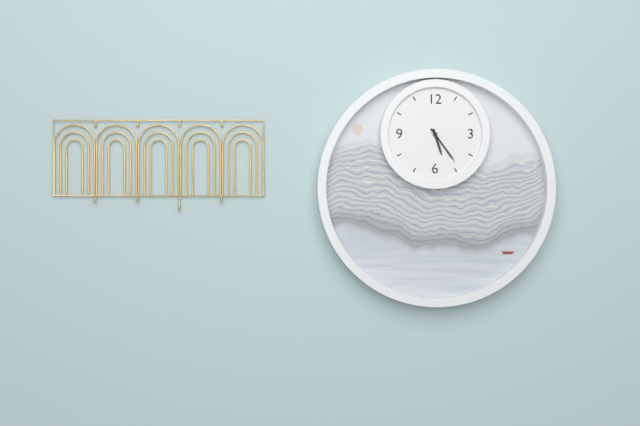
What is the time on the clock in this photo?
5:24
